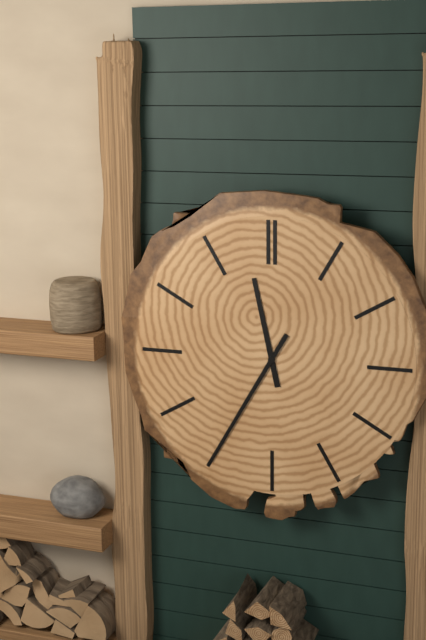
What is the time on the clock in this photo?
11:35
